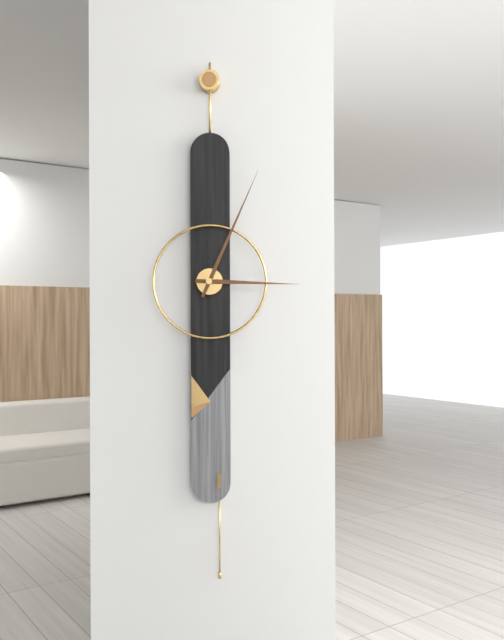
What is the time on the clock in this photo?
3:04
